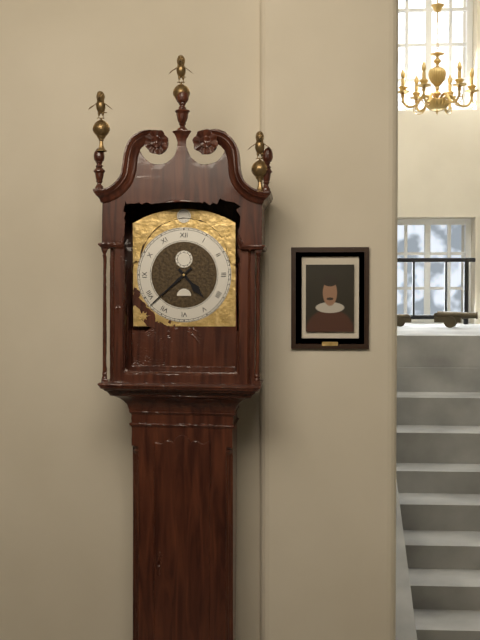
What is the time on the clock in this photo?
4:38
